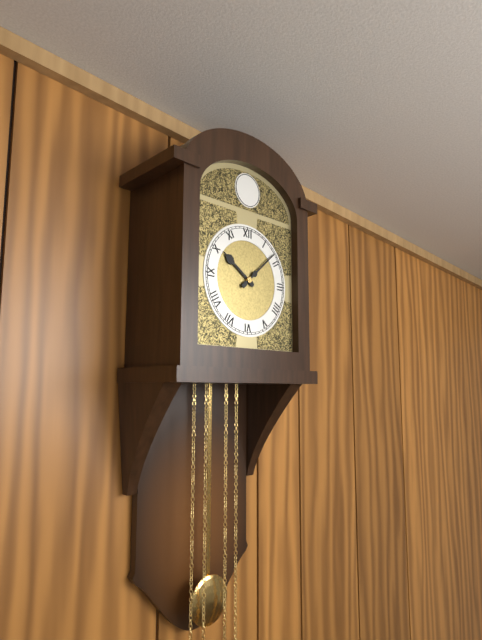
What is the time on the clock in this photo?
10:08
